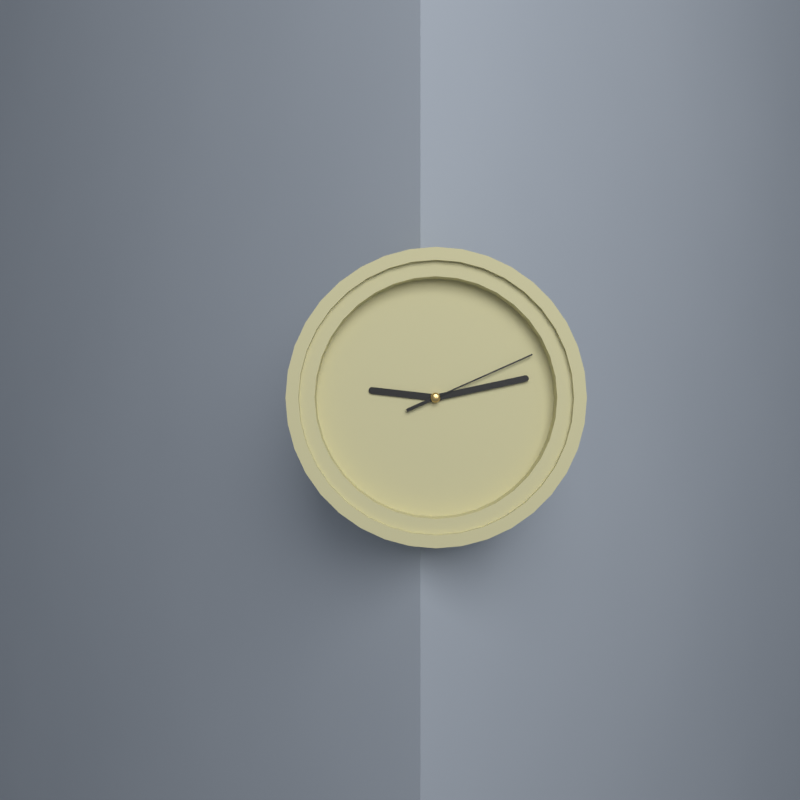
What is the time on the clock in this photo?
9:13:11
